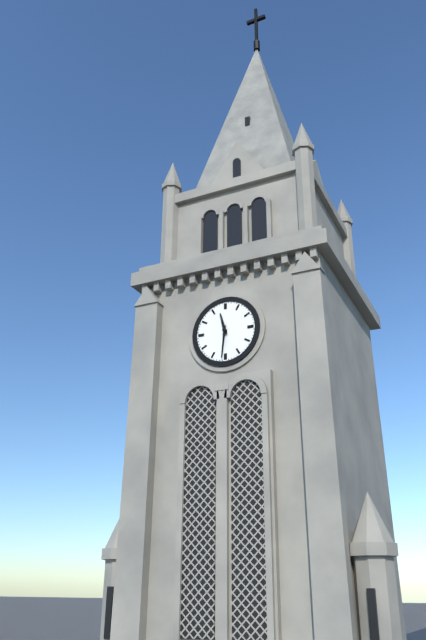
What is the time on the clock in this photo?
11:31
